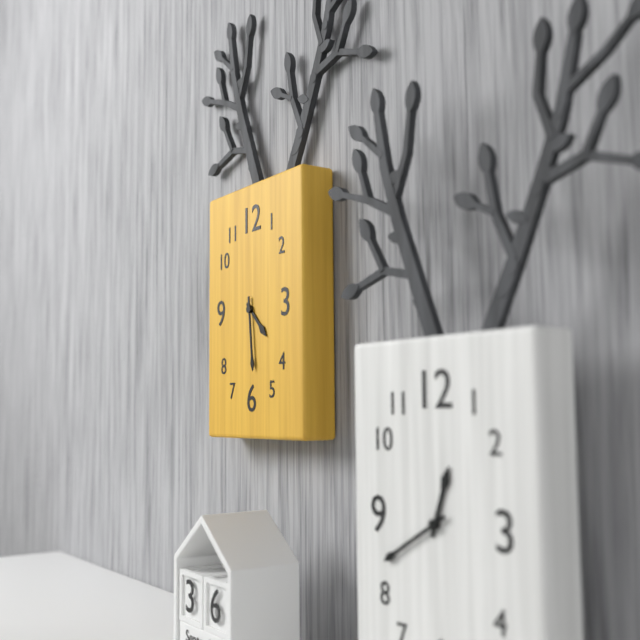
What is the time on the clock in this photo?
4:29
